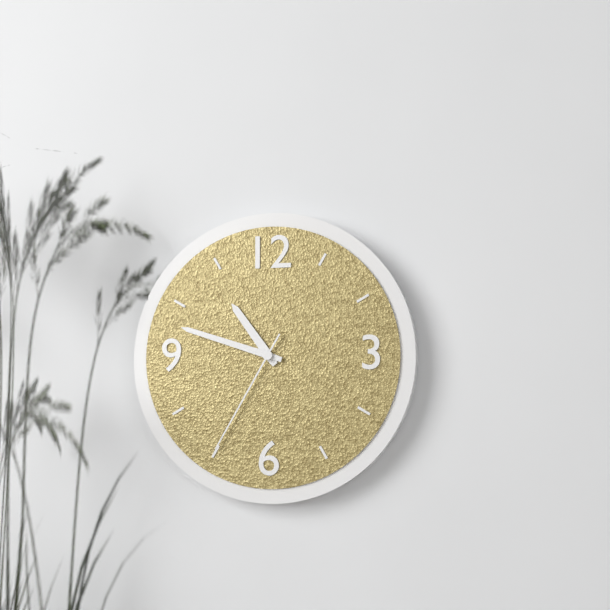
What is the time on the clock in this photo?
10:48:35
